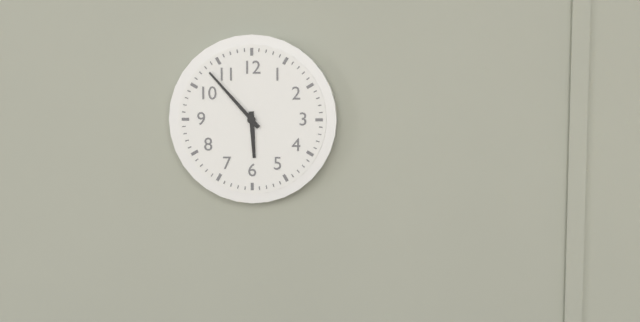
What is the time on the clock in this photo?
5:53
